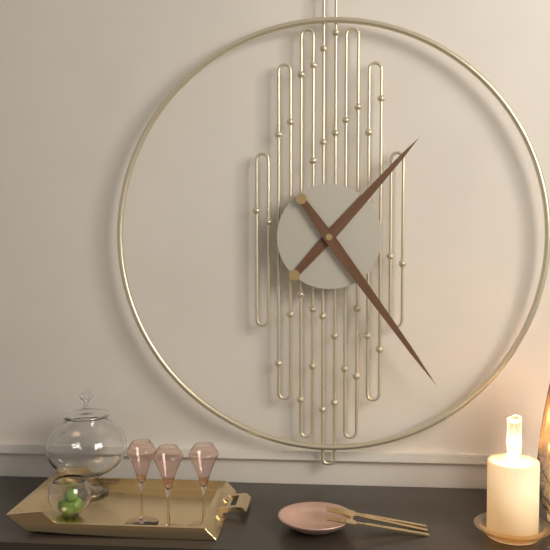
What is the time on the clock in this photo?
1:24
